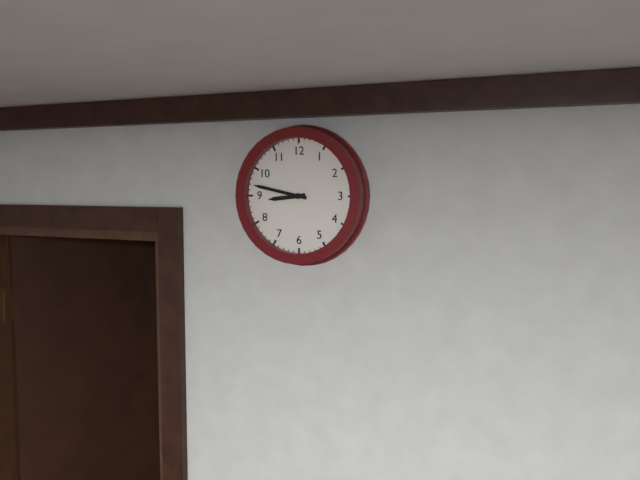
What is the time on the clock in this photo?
8:47
